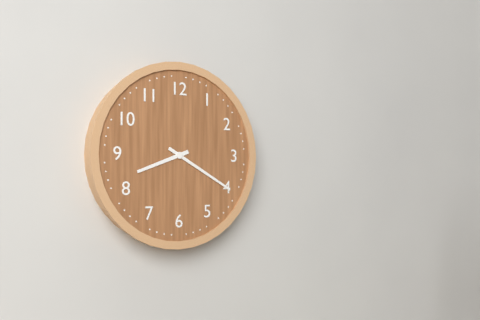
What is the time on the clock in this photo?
8:20
